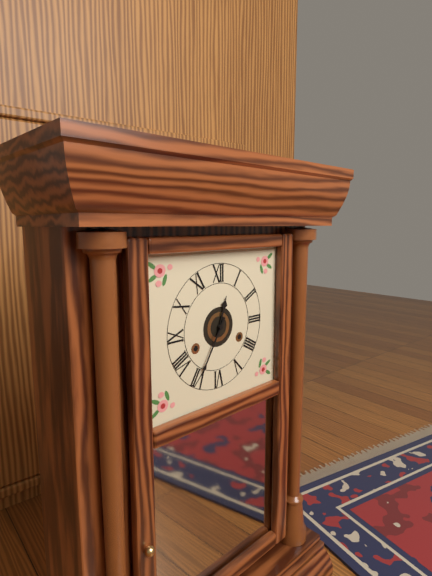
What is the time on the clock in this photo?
12:35
